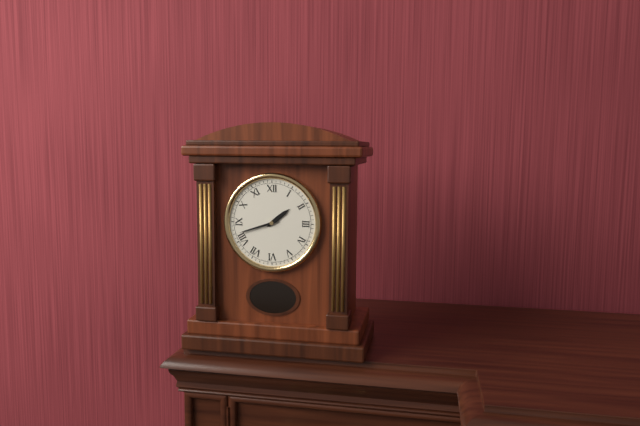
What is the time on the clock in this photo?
1:42
